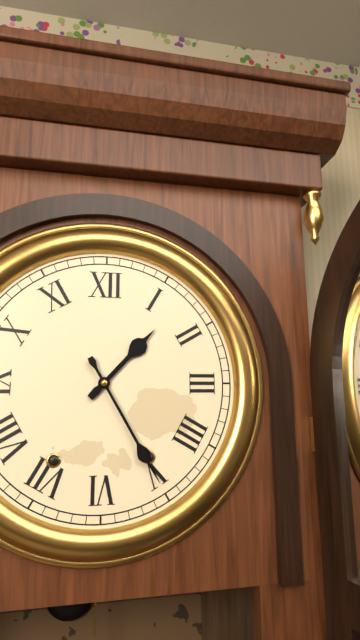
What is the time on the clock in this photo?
1:25
